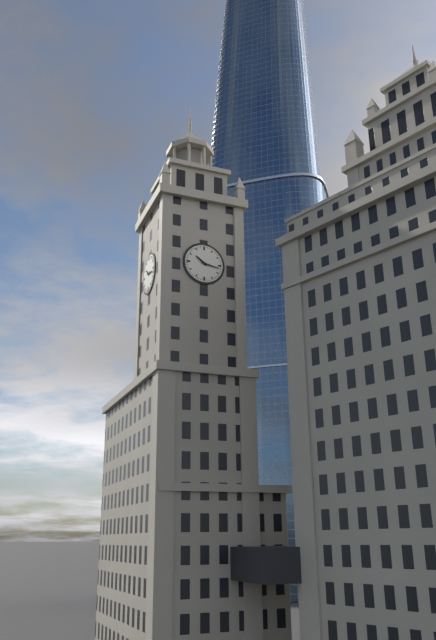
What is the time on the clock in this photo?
10:17
